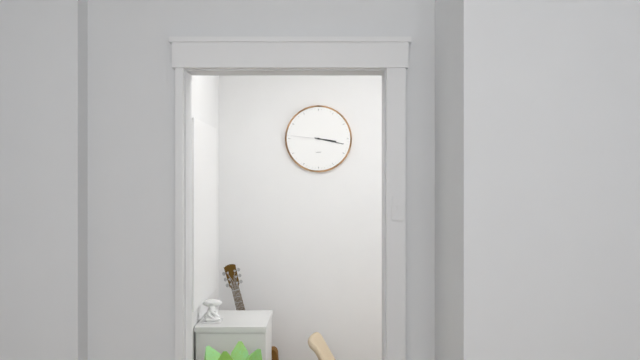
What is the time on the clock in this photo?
3:17
